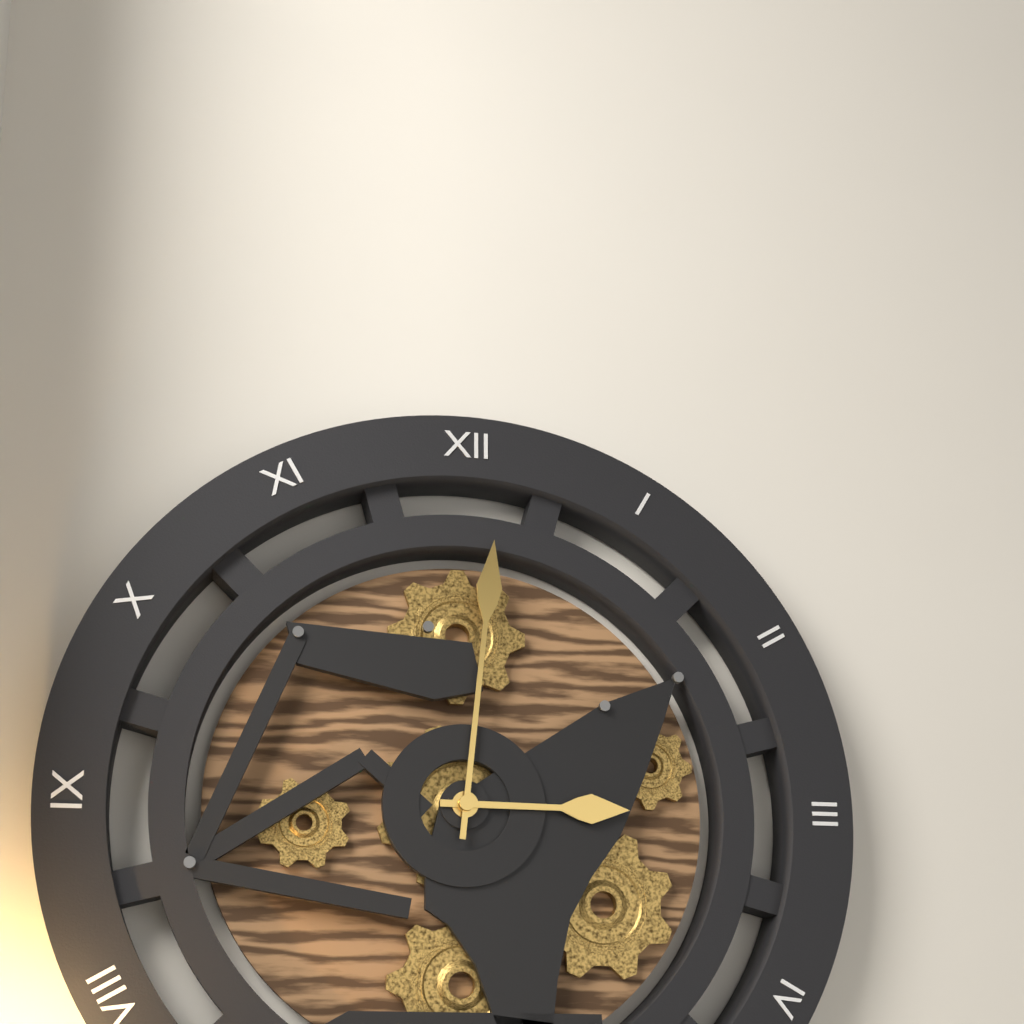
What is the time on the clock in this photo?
3:01
